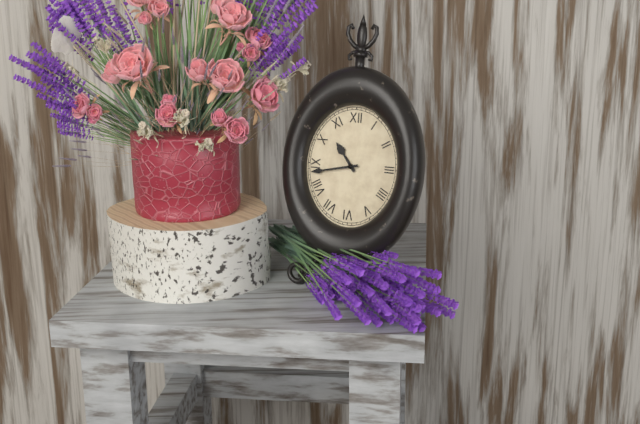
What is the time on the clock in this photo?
10:43
